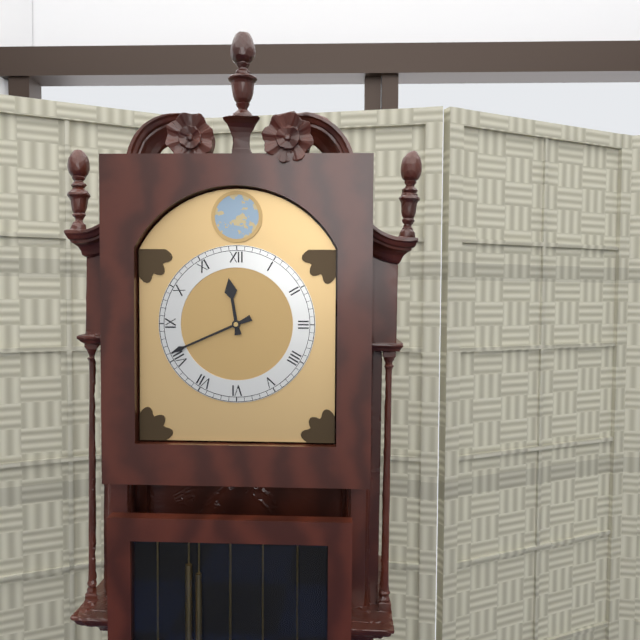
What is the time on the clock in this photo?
11:41
